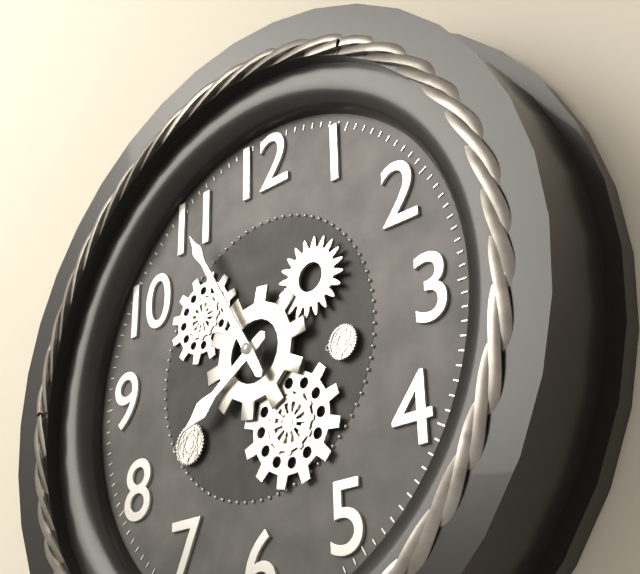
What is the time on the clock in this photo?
7:55
